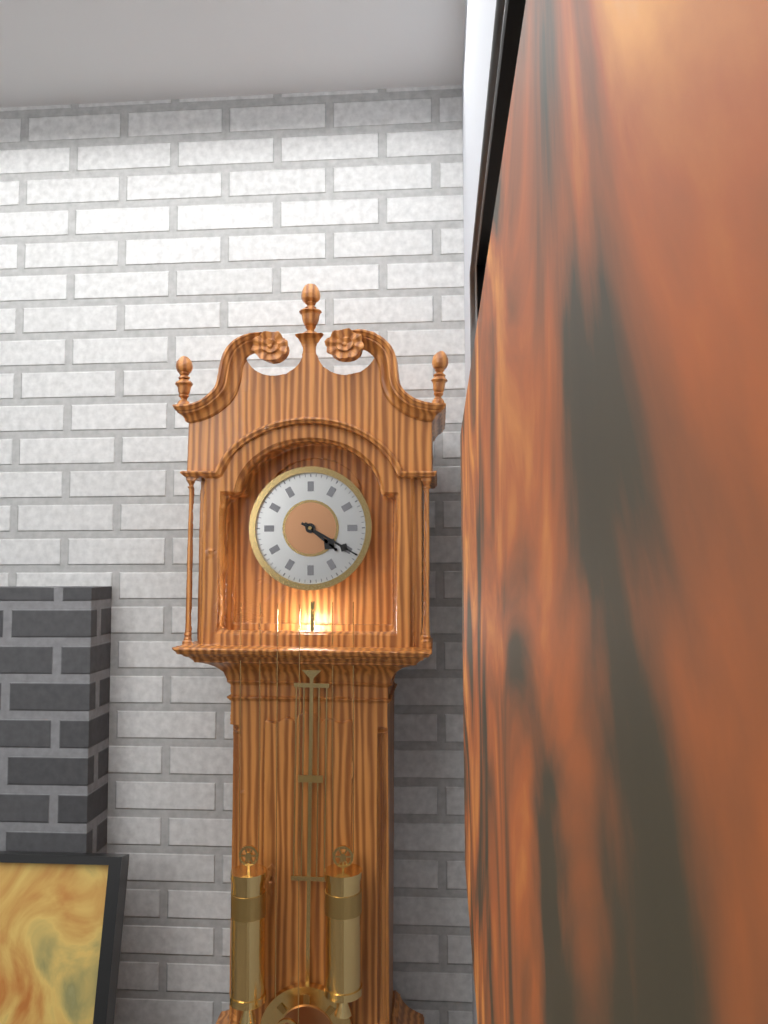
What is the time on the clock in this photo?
4:20
